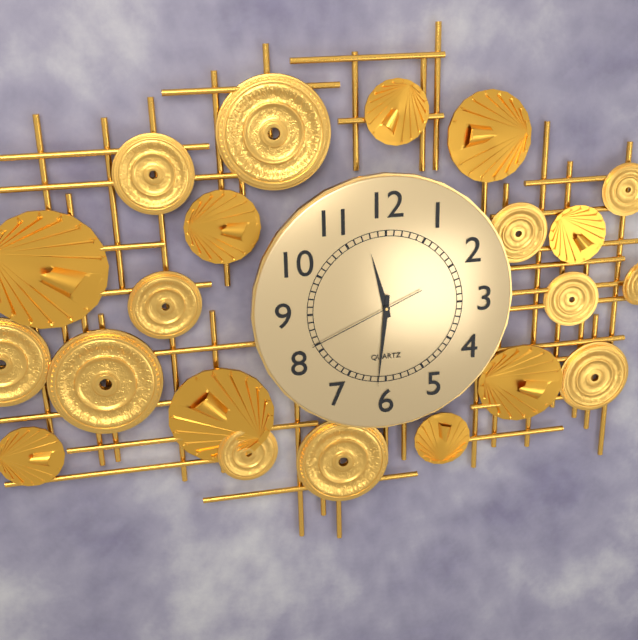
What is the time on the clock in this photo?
11:31:41
